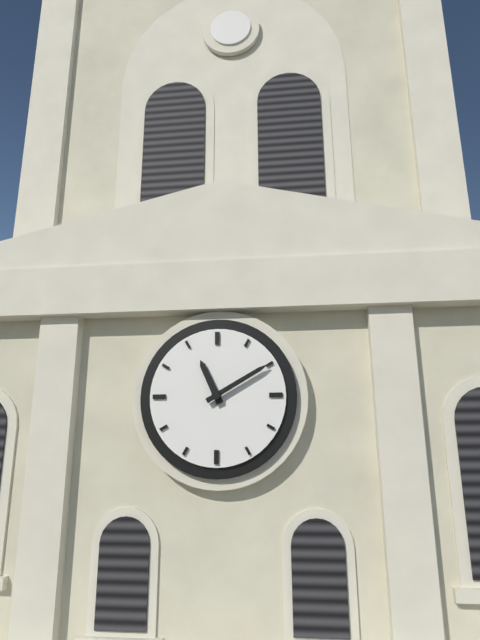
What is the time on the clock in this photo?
11:10
